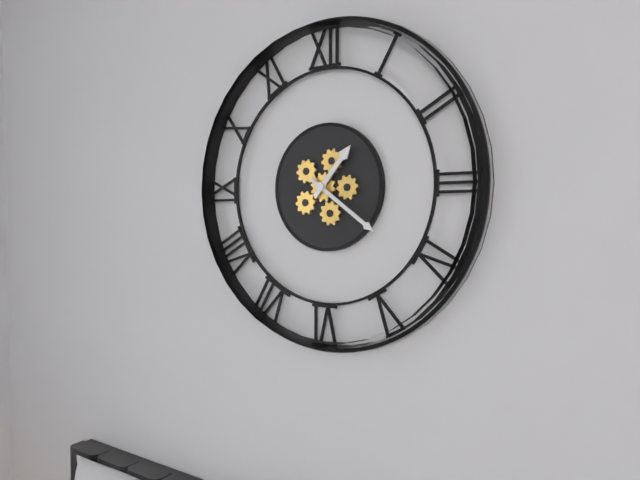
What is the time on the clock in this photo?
1:21
